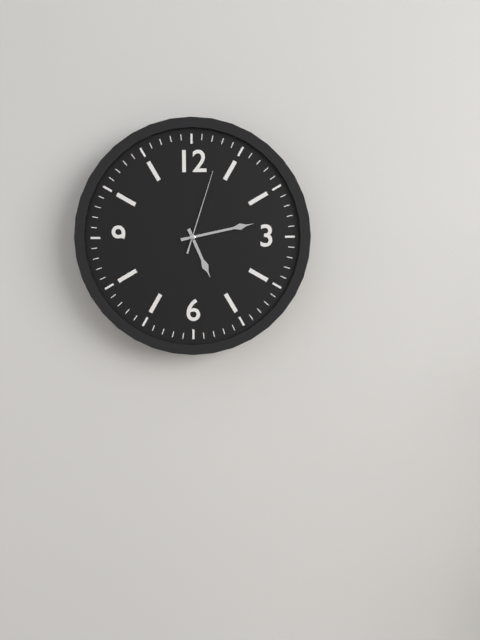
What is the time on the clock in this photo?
5:13:03
